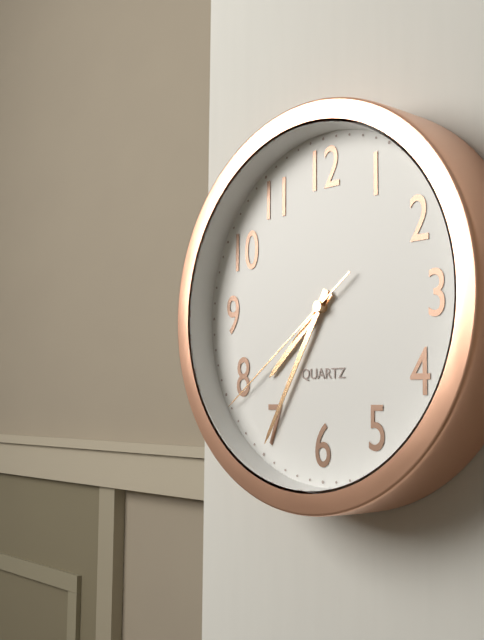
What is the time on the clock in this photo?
7:35:39
